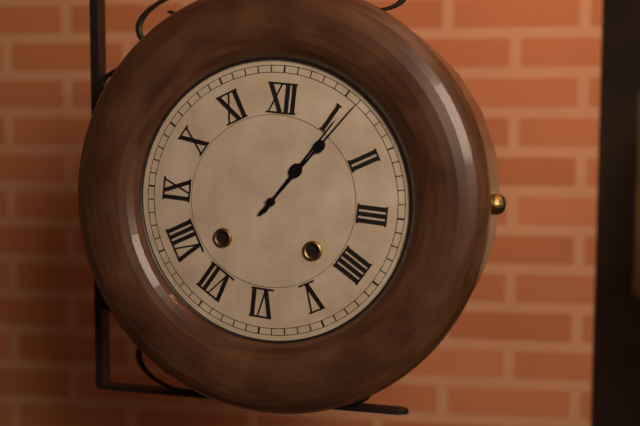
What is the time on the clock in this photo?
1:06
